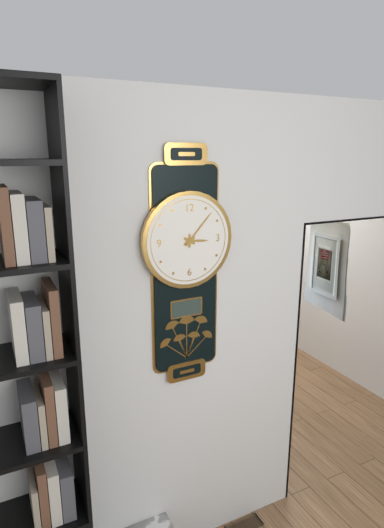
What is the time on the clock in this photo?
3:07
